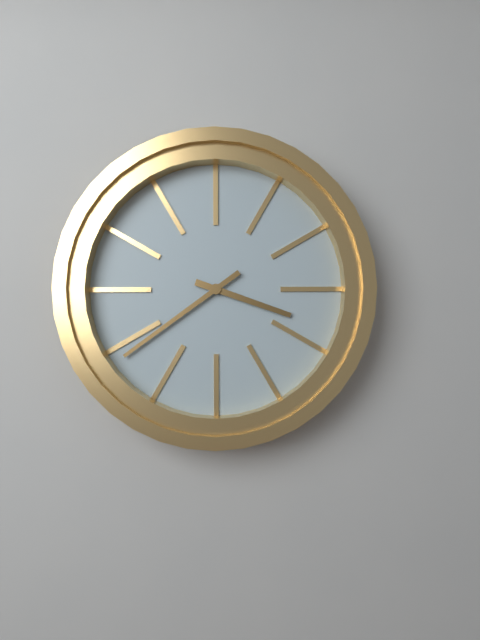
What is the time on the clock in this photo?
3:39
